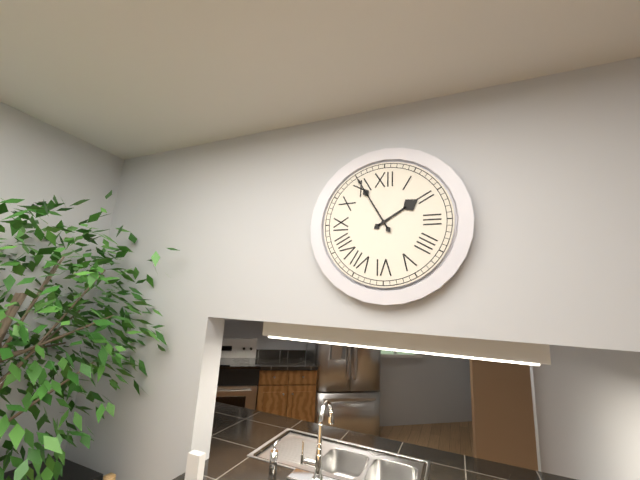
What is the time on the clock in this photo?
1:55
